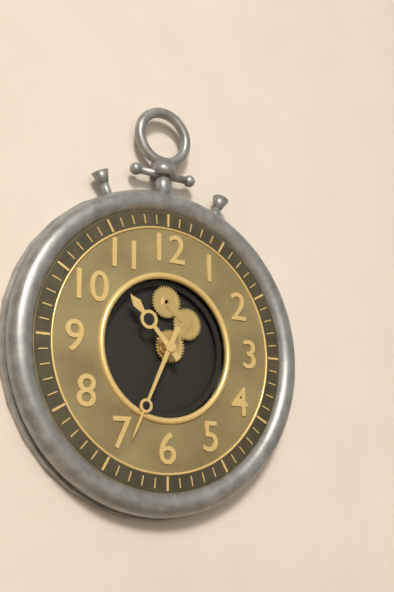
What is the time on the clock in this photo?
10:34
